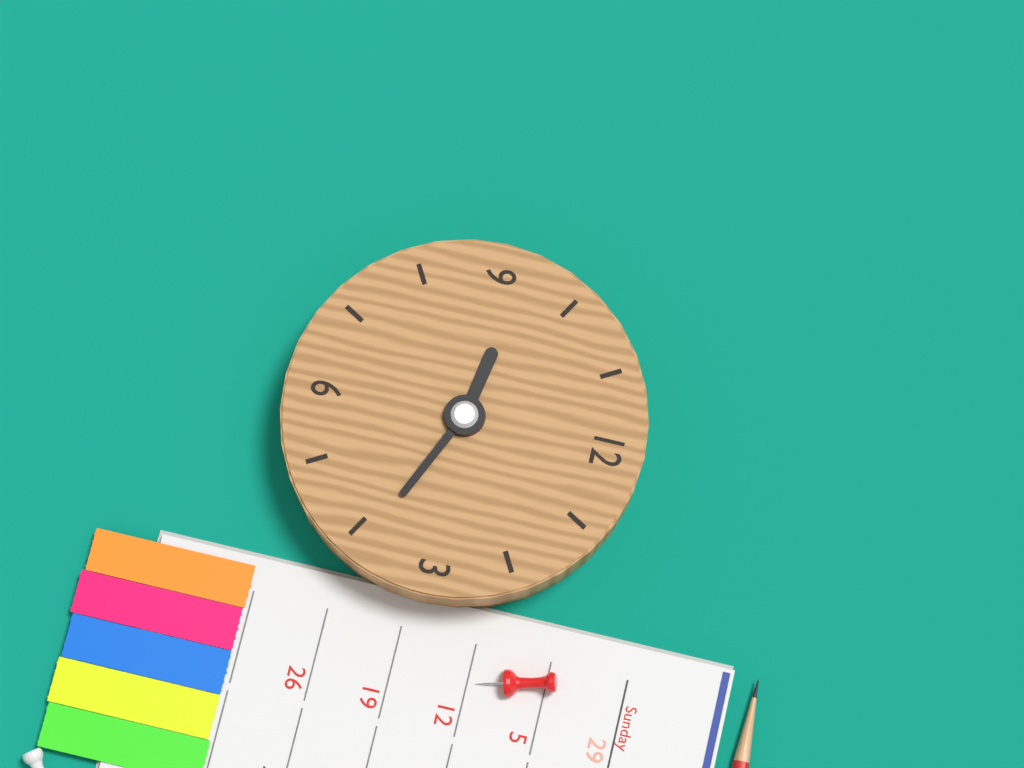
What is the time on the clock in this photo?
9:19
